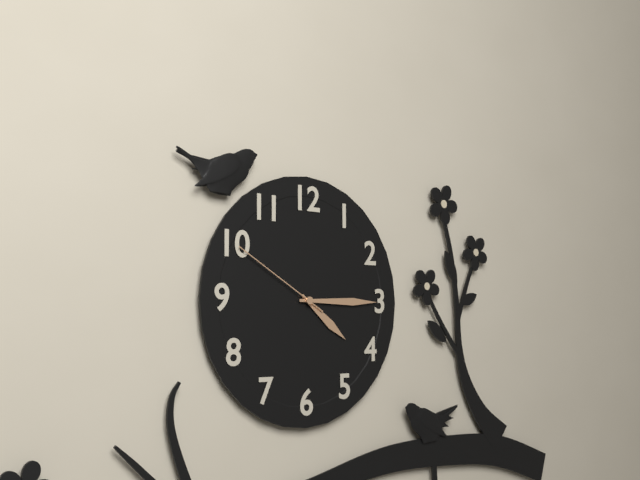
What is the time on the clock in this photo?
4:15:50
